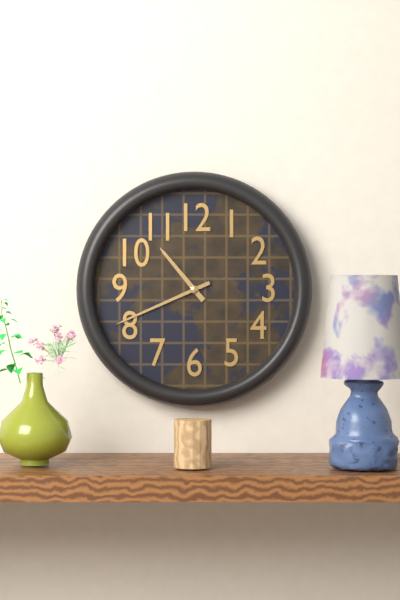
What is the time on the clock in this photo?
10:41
